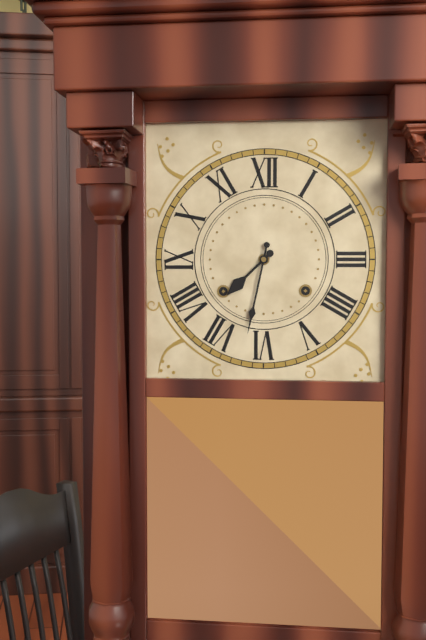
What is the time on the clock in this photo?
7:32
